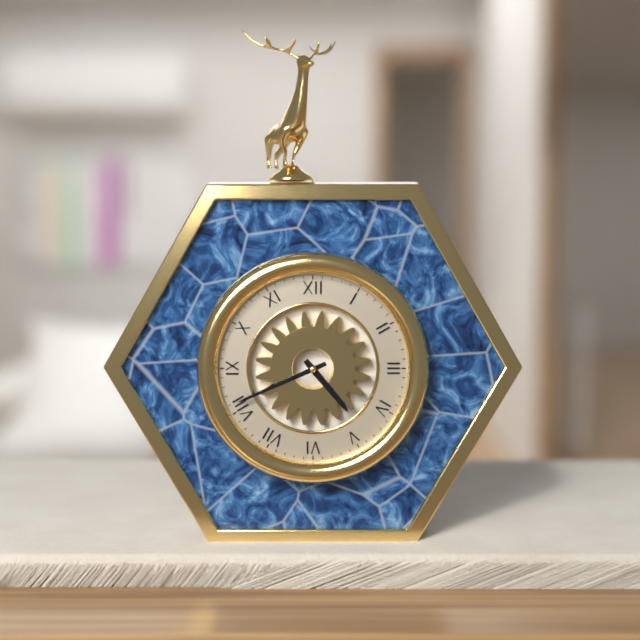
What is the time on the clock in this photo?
4:41
